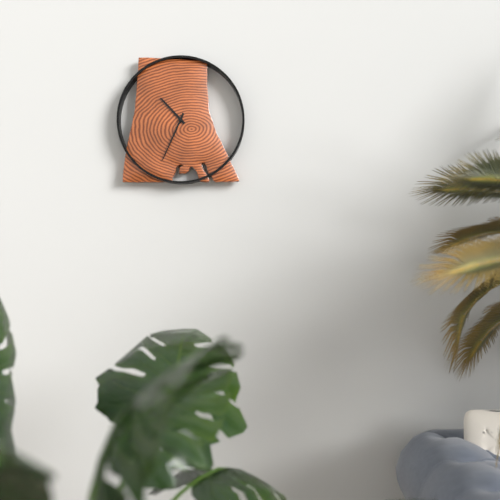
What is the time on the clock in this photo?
10:34
